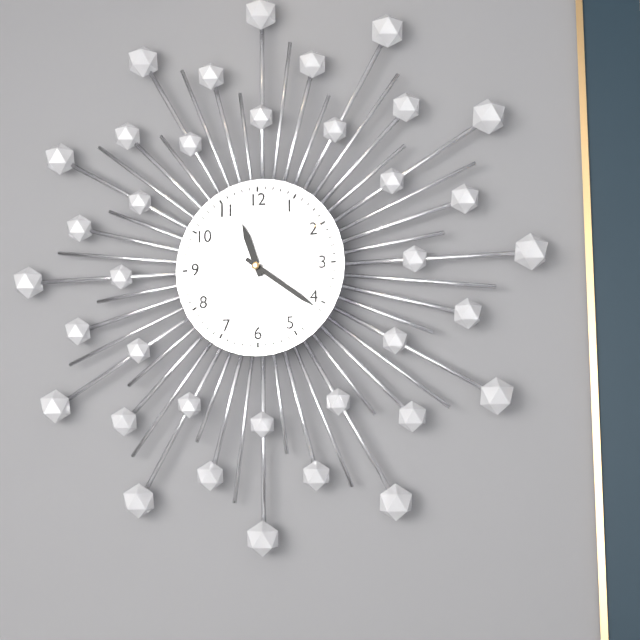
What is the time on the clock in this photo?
11:21:10
